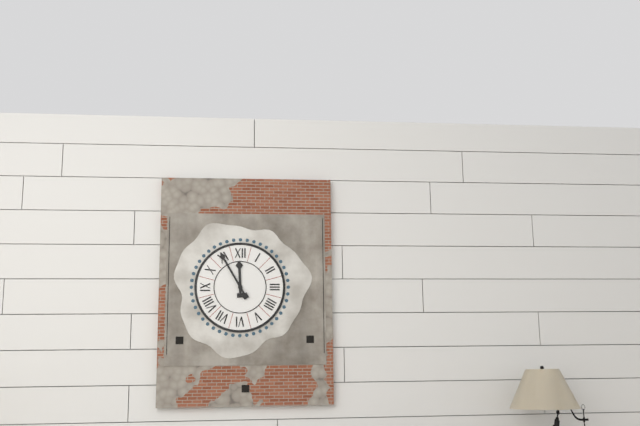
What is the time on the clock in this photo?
11:55
